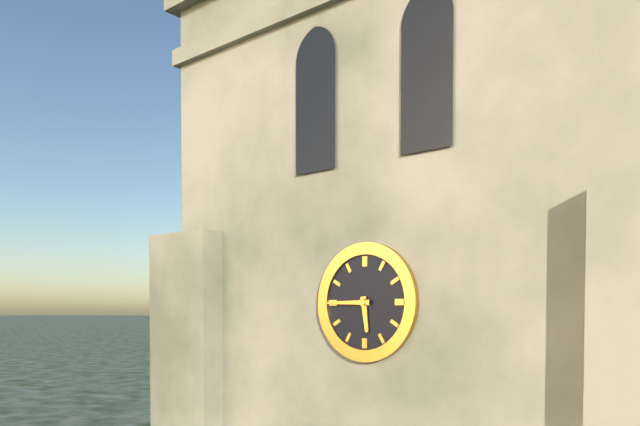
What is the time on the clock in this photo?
5:45
